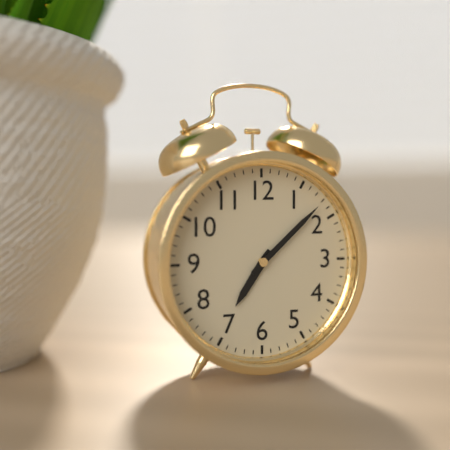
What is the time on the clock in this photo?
7:08
